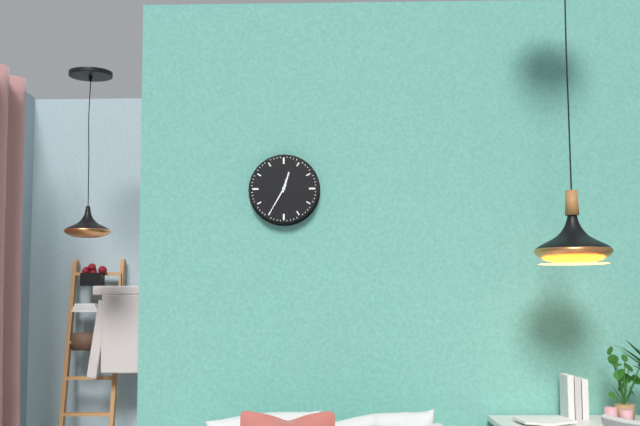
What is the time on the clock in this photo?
12:35
